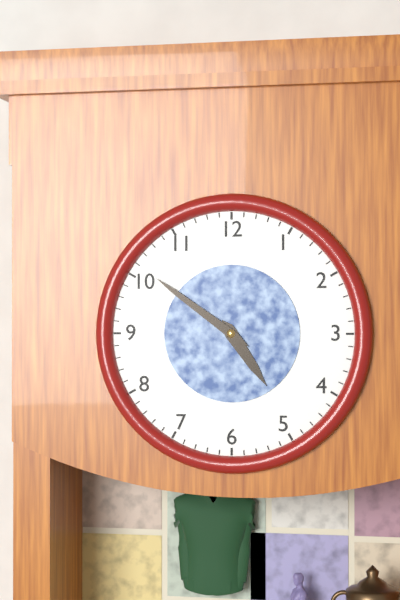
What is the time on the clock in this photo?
4:51
